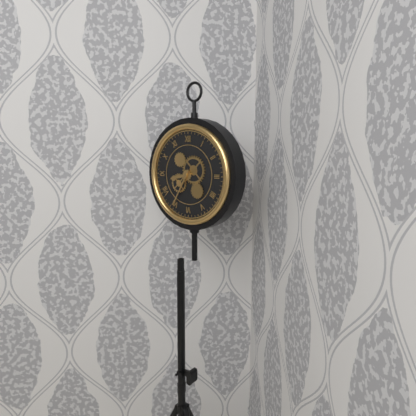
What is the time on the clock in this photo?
8:35
